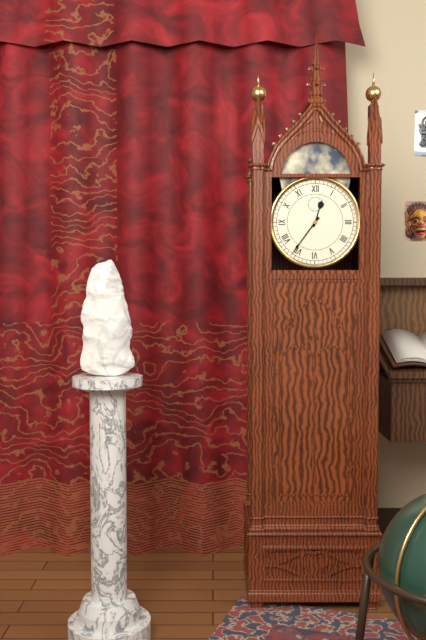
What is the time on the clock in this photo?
12:36
